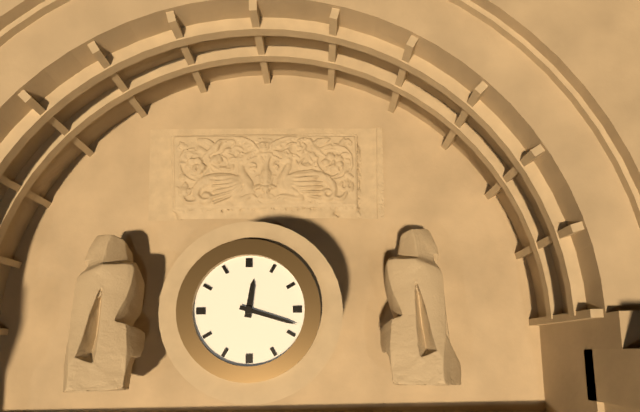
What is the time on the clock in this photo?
12:18
